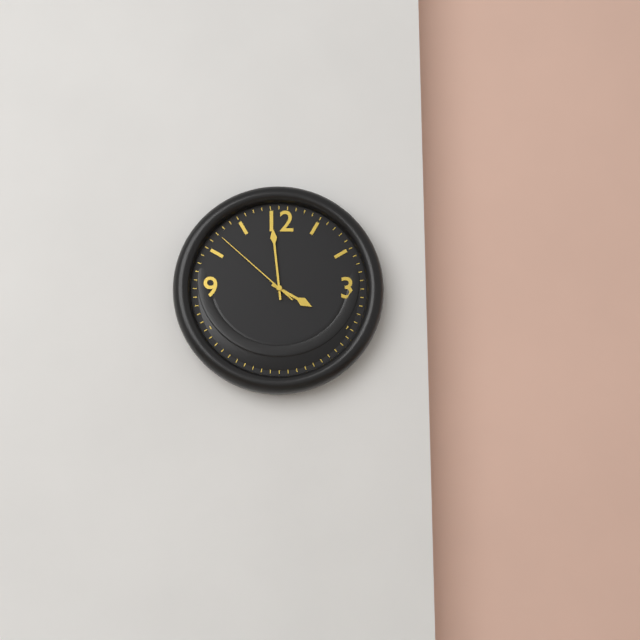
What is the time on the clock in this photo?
3:59:52
